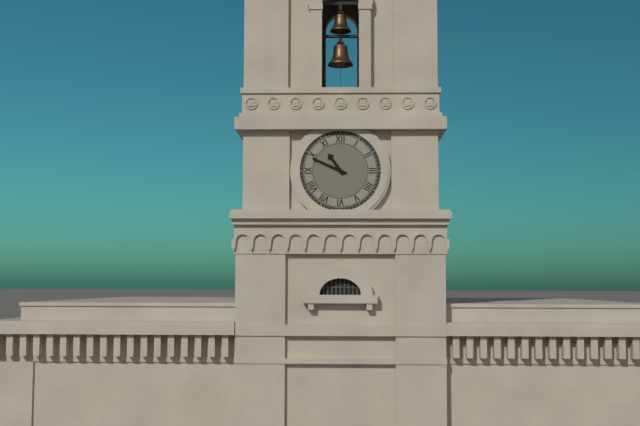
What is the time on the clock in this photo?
10:49
